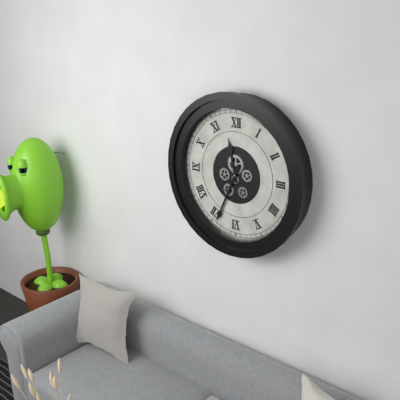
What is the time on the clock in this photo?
11:34
